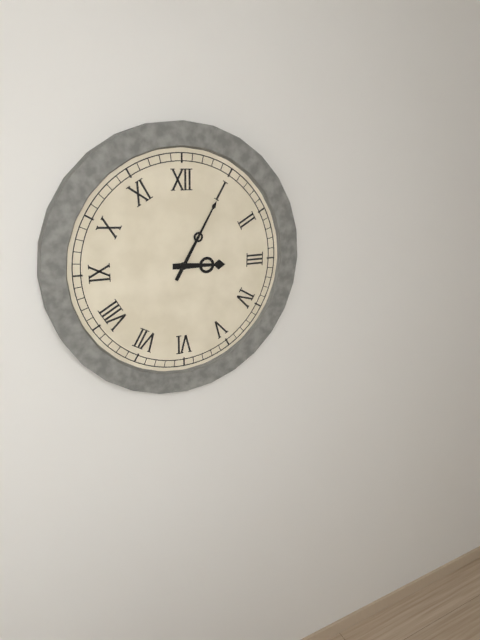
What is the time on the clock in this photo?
3:05
